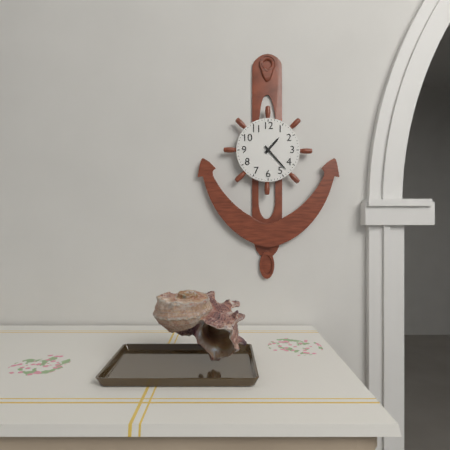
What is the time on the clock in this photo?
1:23
